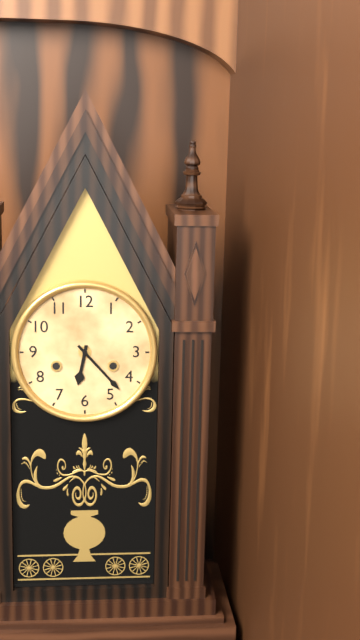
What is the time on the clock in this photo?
6:23
